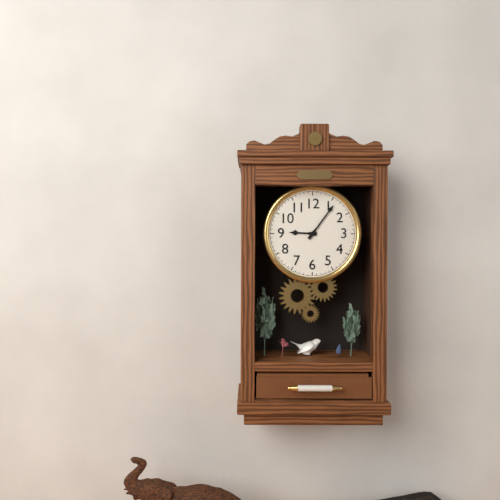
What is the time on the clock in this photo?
9:06
